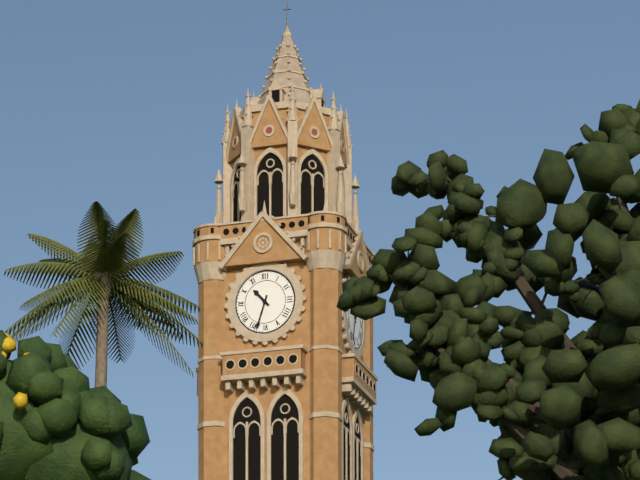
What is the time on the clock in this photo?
10:33
